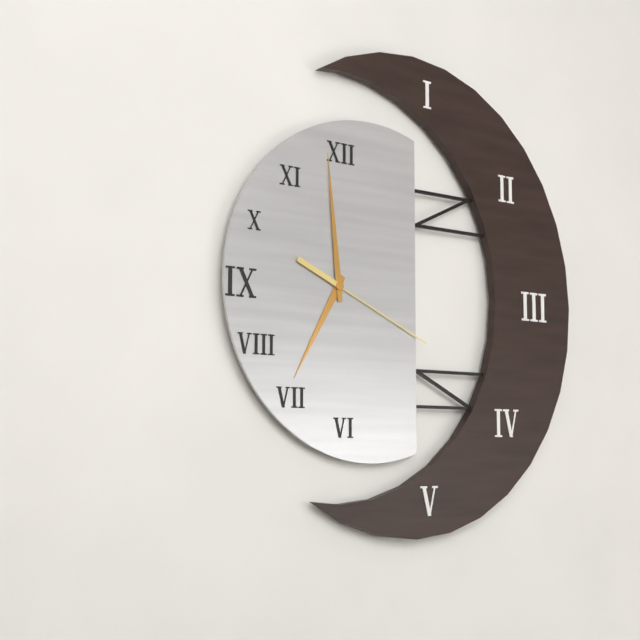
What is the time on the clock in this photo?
6:59:19
